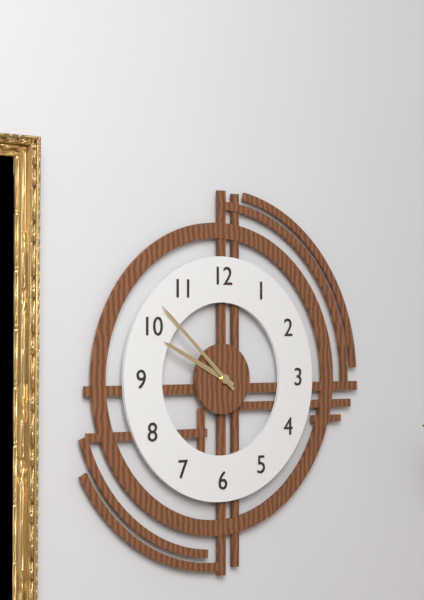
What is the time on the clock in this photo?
9:52
